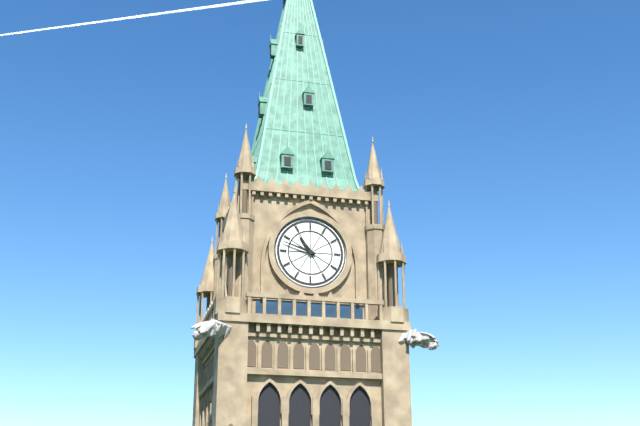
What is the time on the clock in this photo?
10:48
